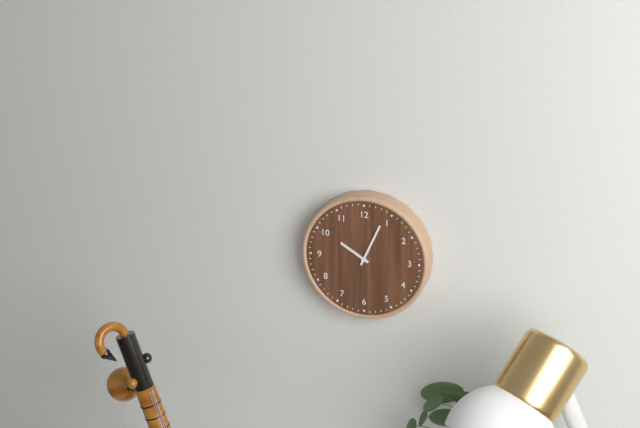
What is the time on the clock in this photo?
10:04
